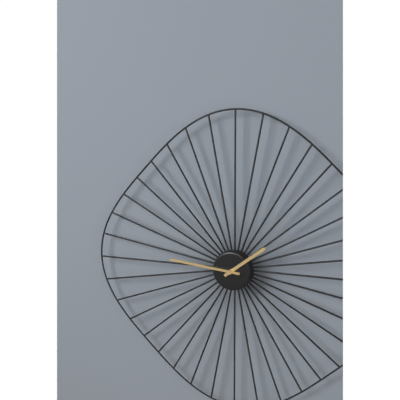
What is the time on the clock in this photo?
1:46
